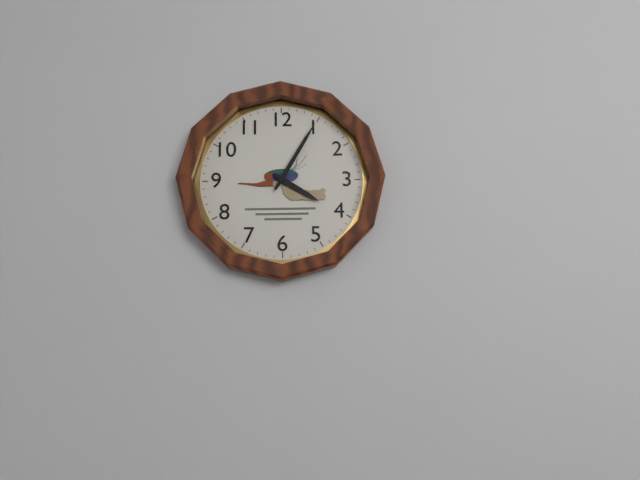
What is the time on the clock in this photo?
4:05
